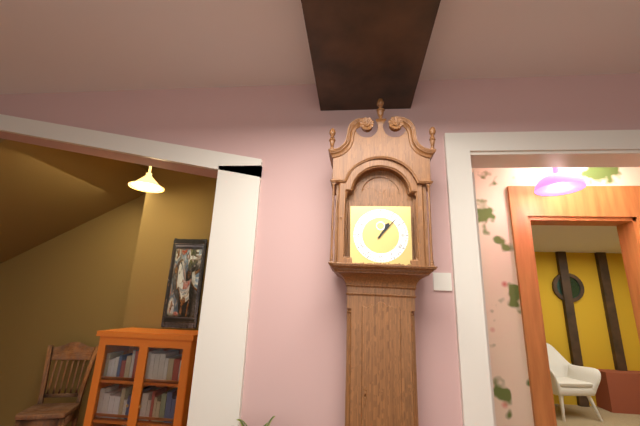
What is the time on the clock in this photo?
1:07
